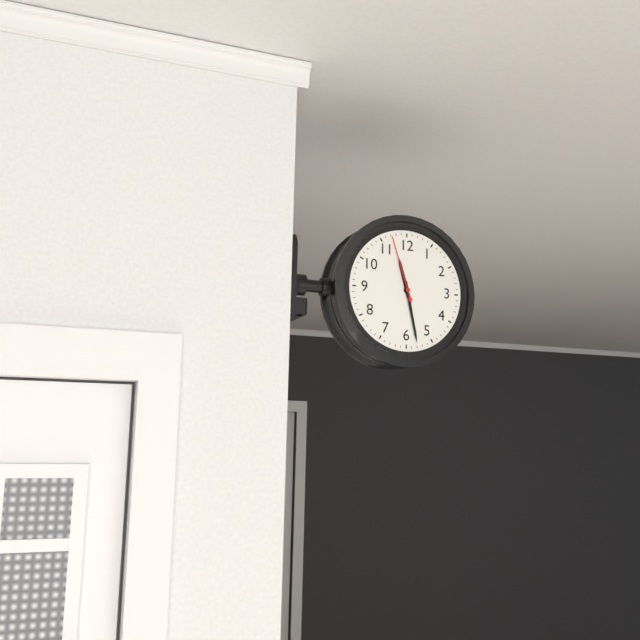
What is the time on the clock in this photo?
11:28:57
